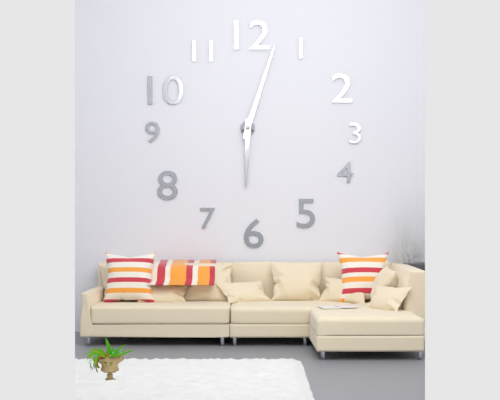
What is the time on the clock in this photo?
6:03
